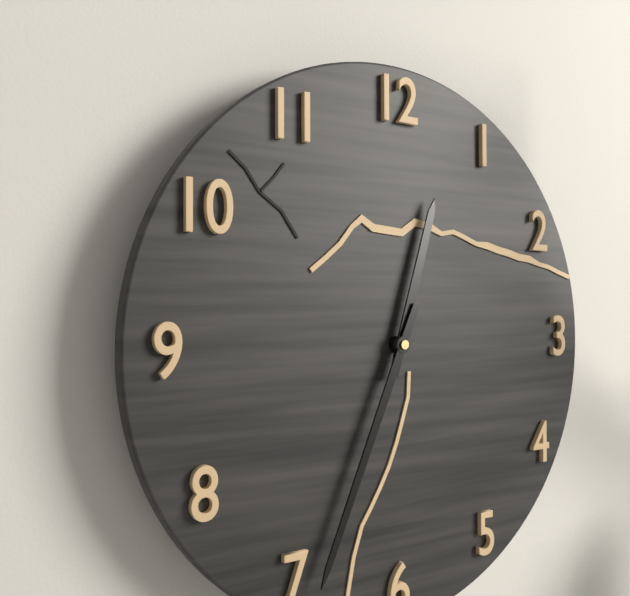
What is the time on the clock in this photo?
12:34
